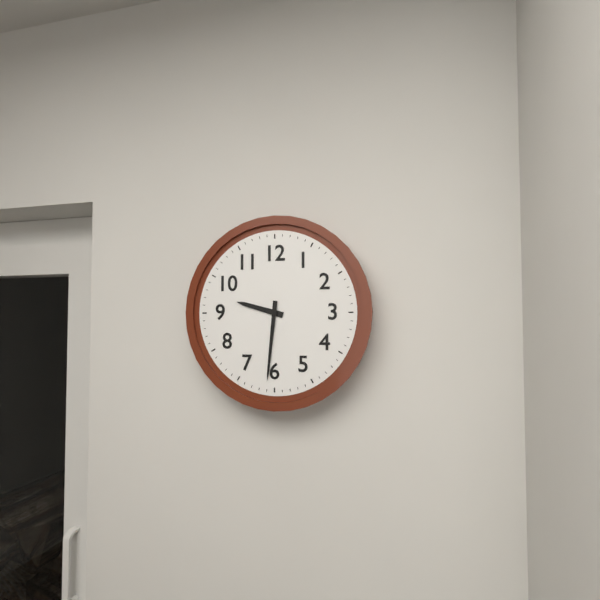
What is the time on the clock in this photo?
9:31
